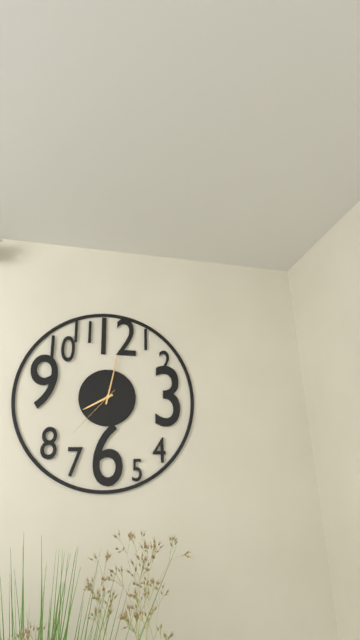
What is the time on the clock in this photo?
8:02:37
